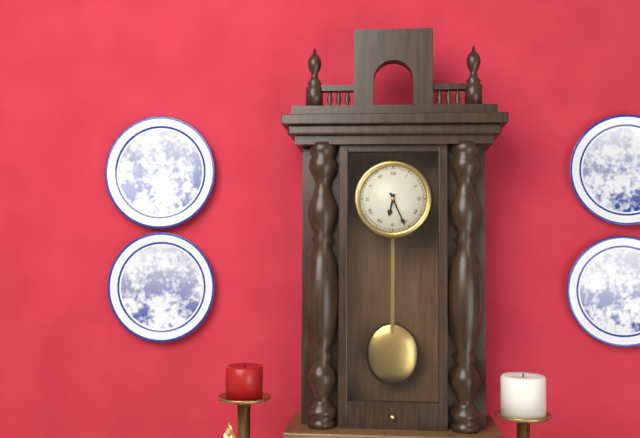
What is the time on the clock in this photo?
6:26
